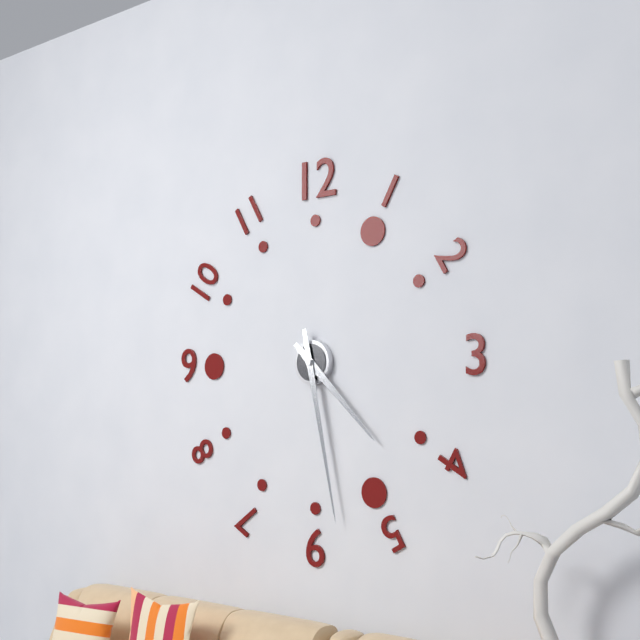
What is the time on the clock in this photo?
4:28
